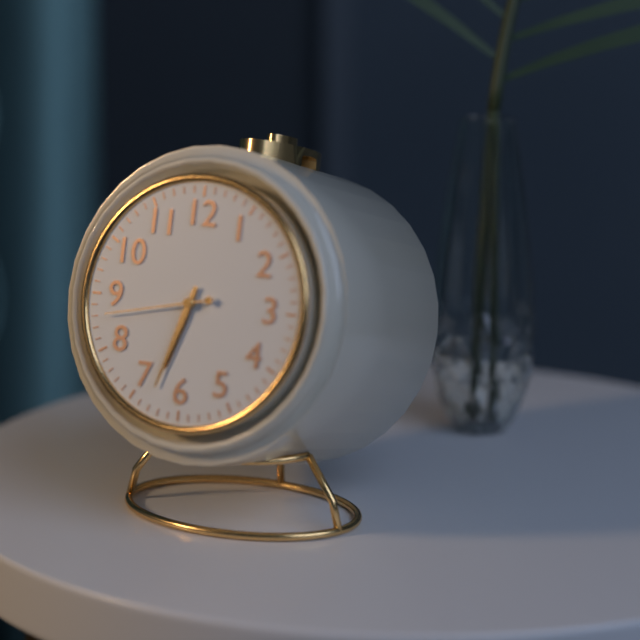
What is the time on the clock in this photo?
6:33:43
